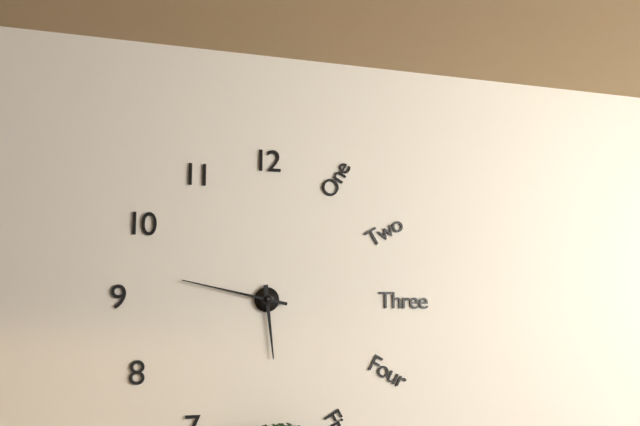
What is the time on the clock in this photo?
5:47
